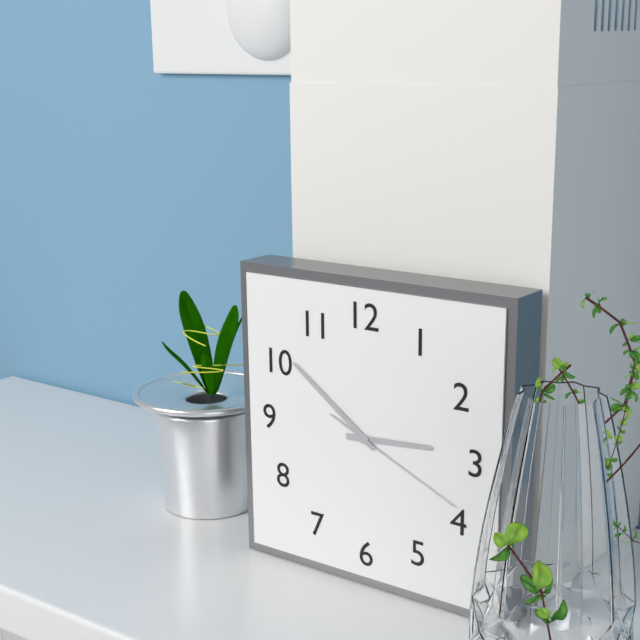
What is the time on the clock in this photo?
2:51:19
